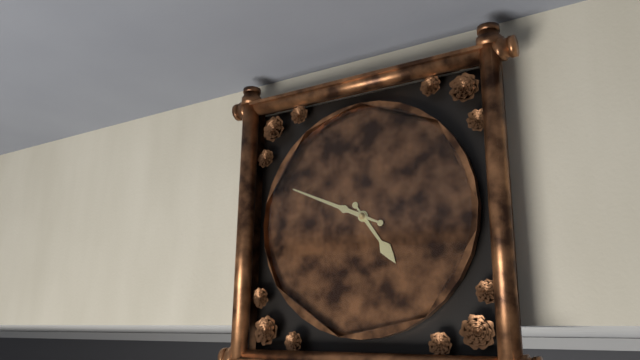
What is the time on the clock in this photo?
4:49
